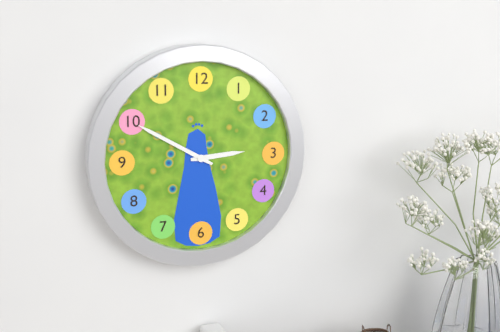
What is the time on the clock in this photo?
2:50
